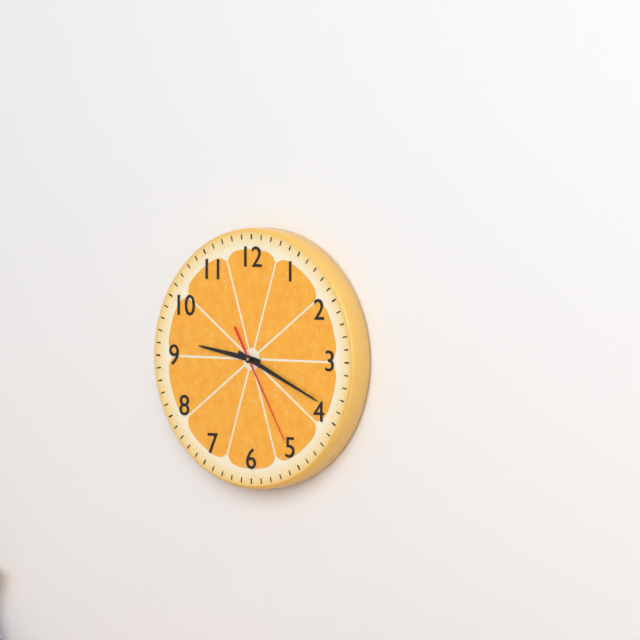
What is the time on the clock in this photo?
9:19:25
